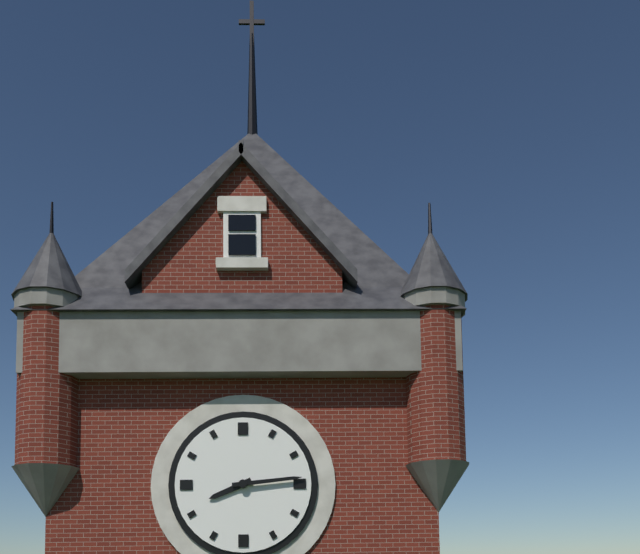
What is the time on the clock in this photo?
8:14
